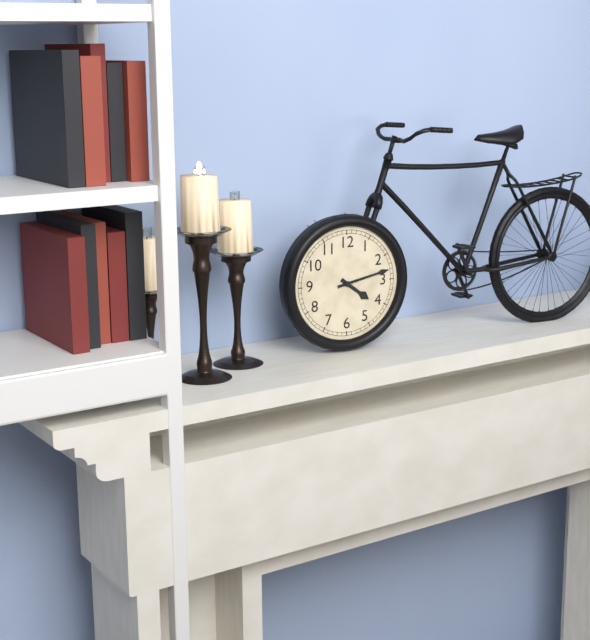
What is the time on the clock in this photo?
4:13
